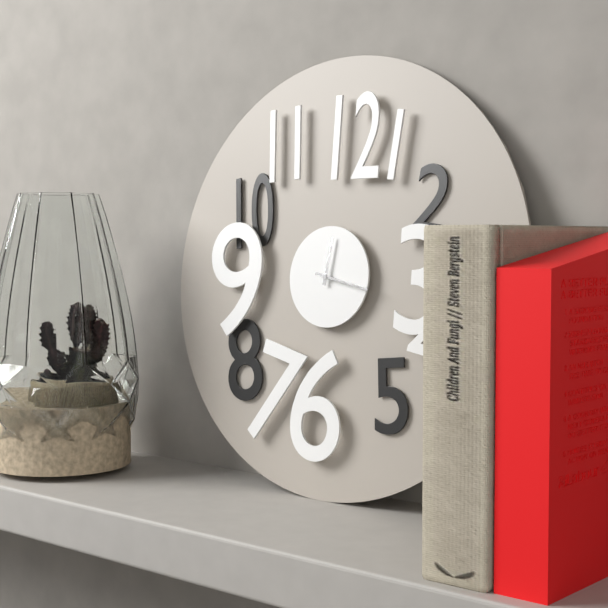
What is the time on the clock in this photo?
12:17
